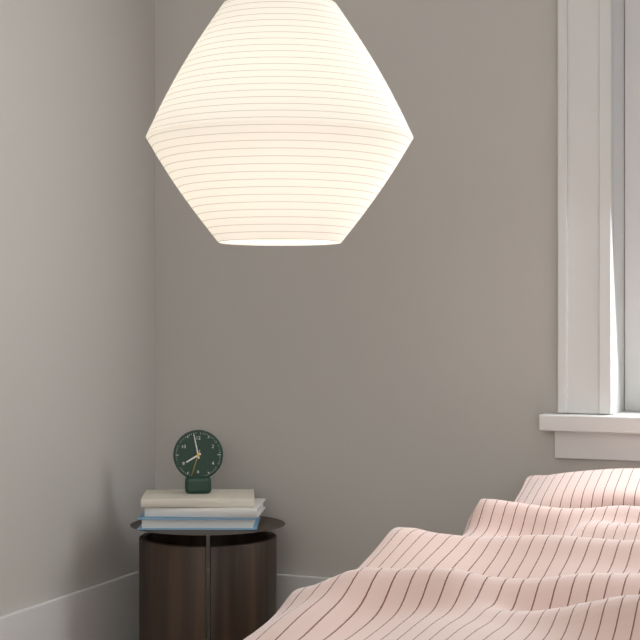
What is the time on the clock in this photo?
7:58
